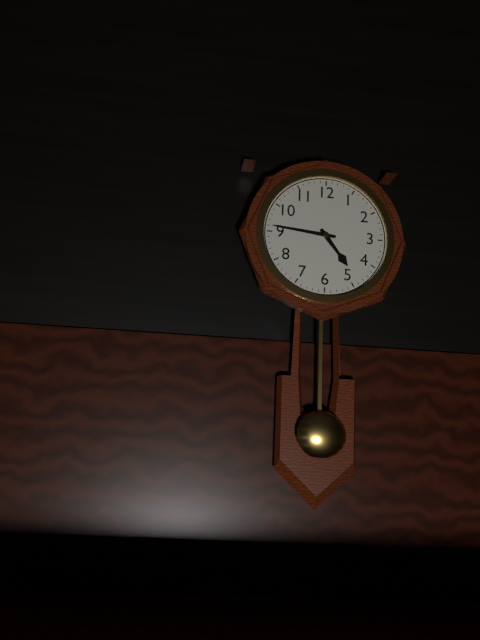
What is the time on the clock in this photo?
4:46
